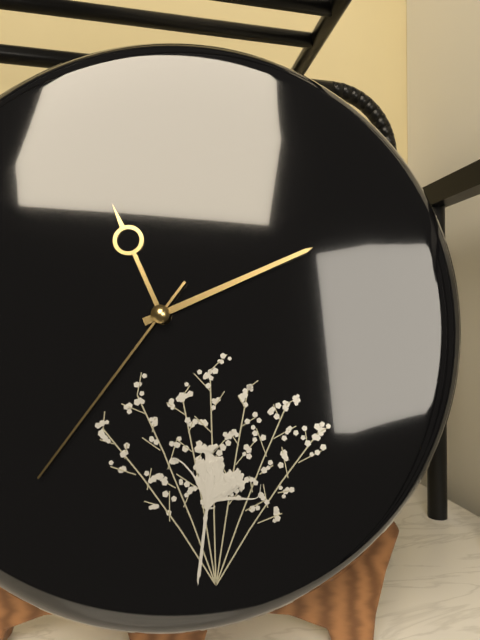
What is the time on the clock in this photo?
11:11:36
